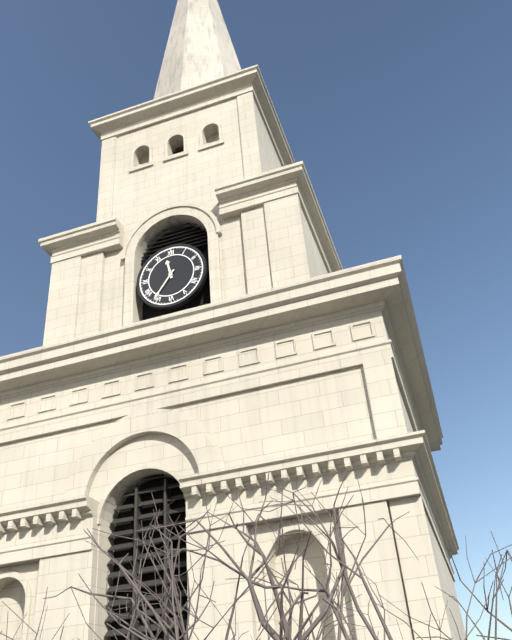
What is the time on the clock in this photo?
11:36
